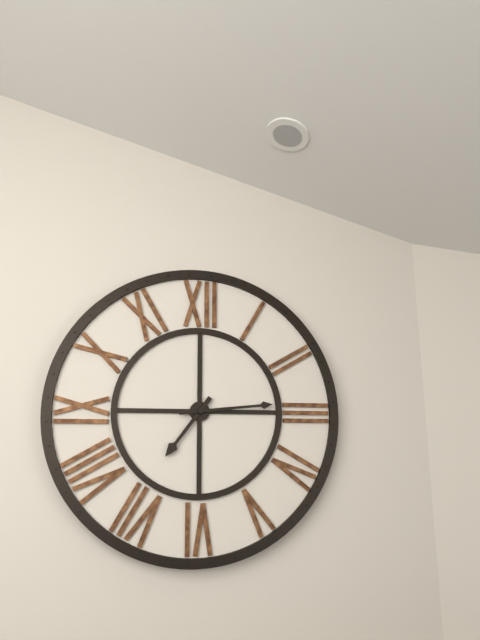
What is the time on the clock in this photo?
7:14
